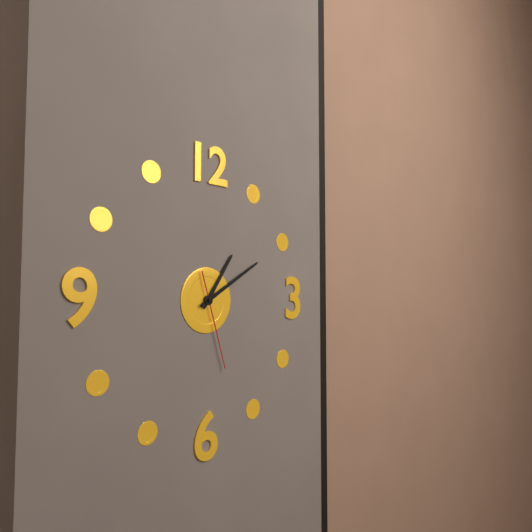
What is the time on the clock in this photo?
1:10:27
